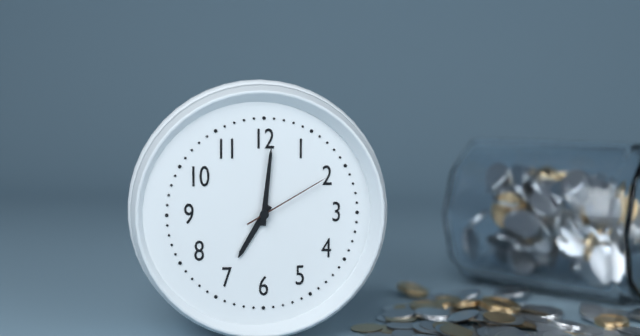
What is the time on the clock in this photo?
7:01:10
